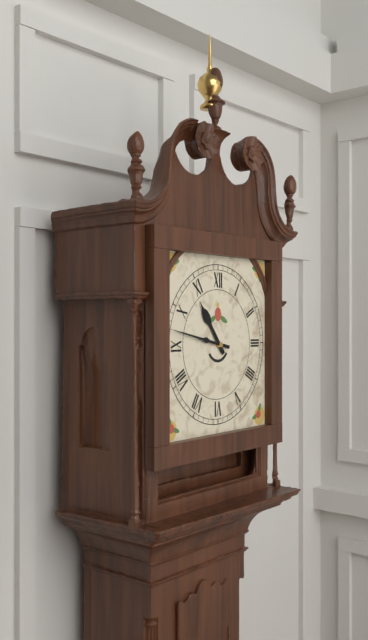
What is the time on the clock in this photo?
10:47
